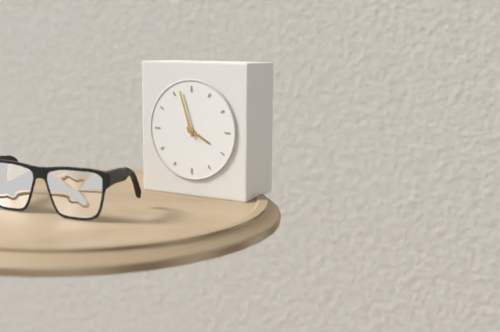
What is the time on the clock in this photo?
3:57
